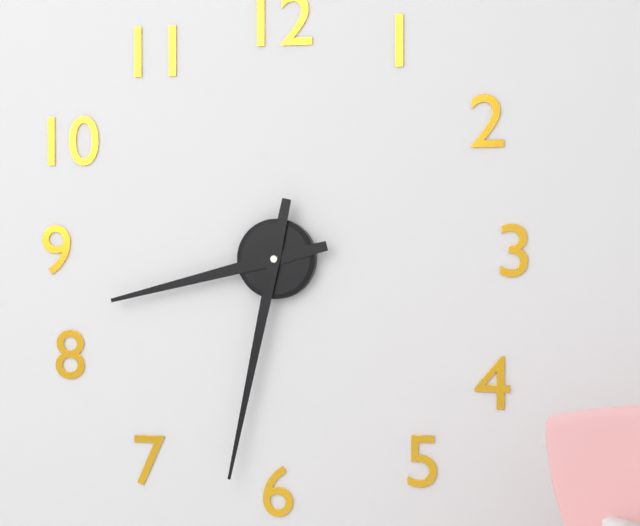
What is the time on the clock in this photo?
8:32
